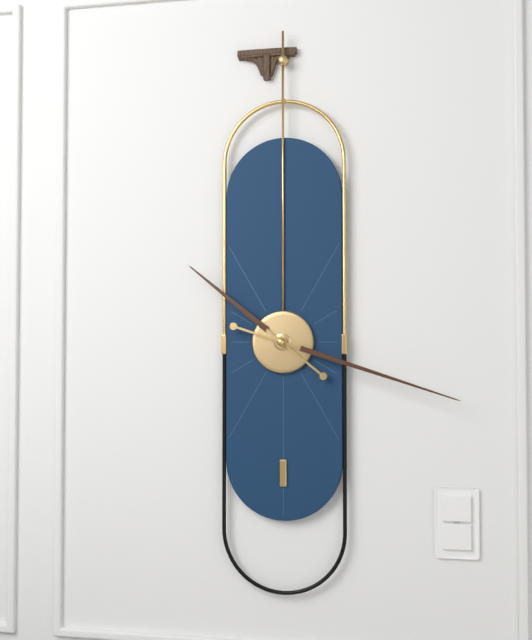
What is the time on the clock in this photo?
10:18
